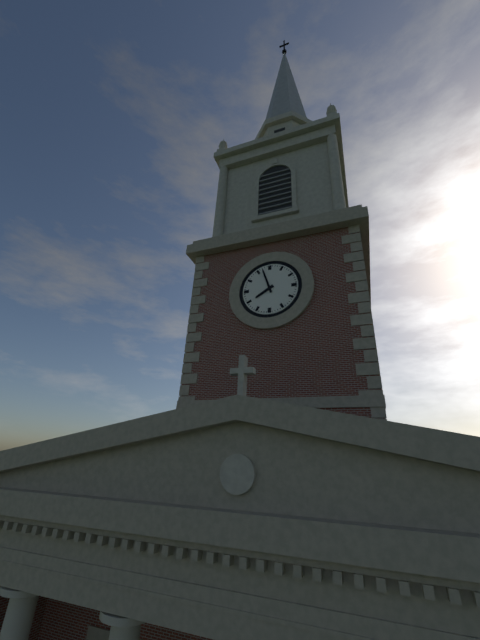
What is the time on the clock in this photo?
7:57
